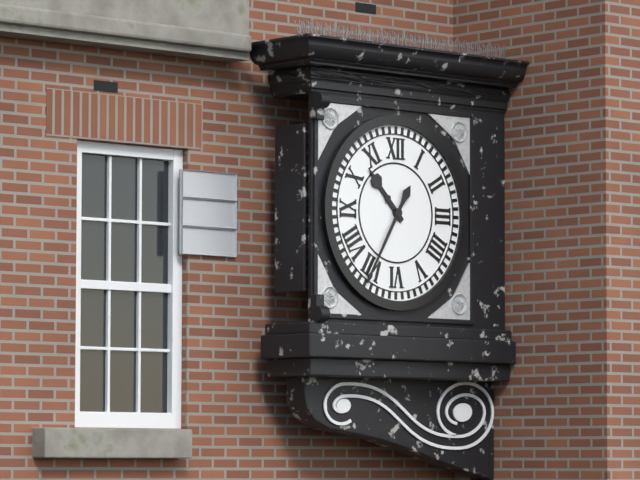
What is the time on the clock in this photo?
10:35
